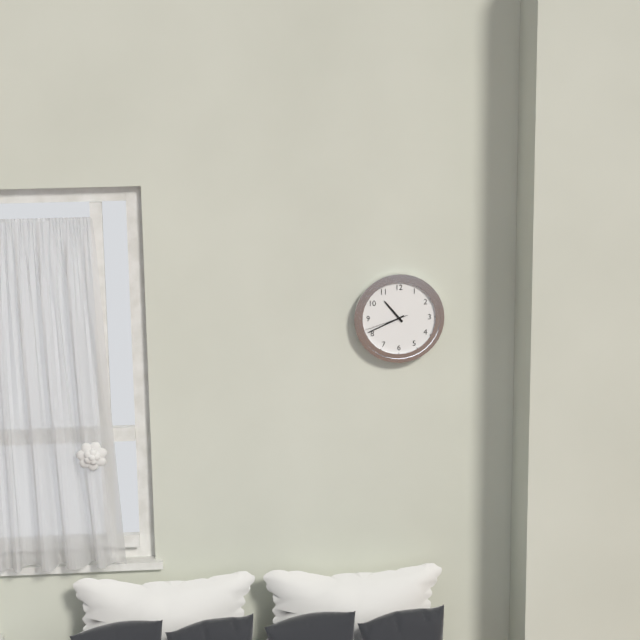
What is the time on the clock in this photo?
10:41
